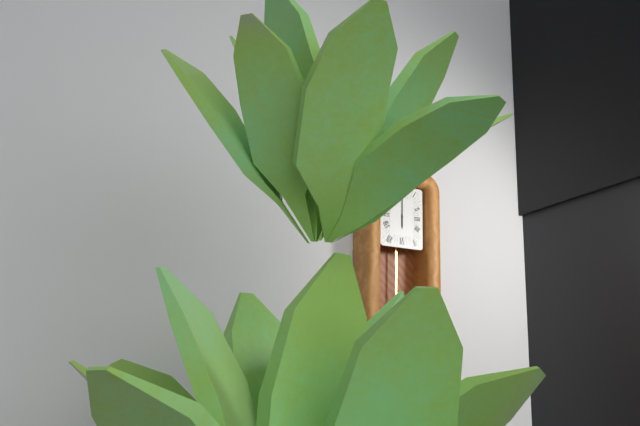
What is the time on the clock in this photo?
6:00
